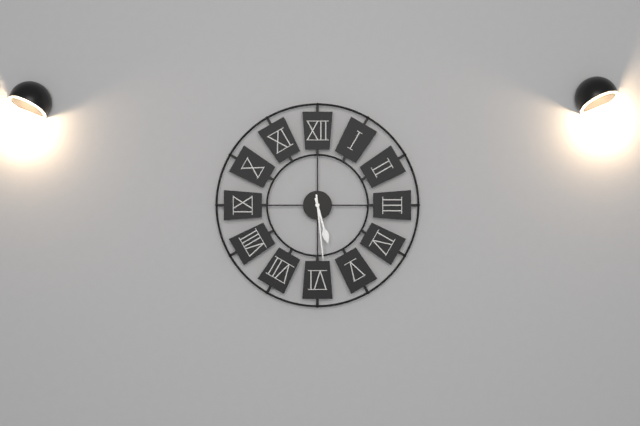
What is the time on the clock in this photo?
5:29
